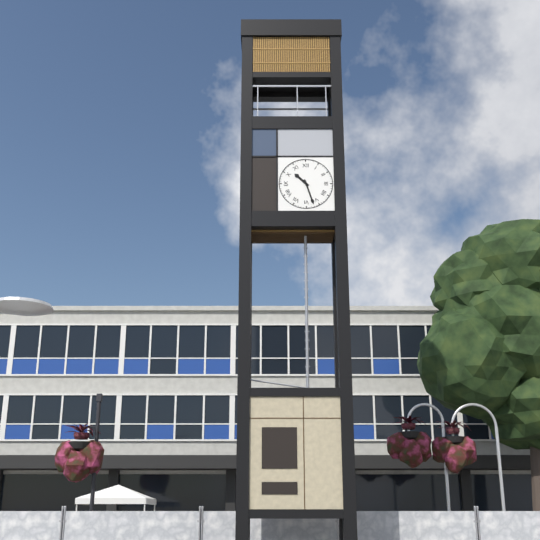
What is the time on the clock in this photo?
10:27
